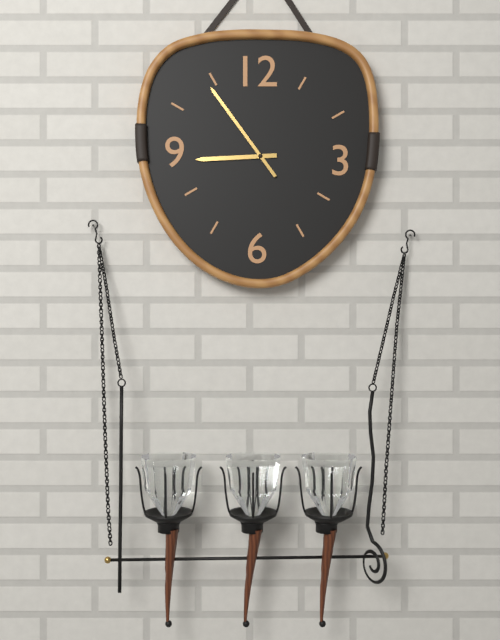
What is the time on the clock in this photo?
8:54
